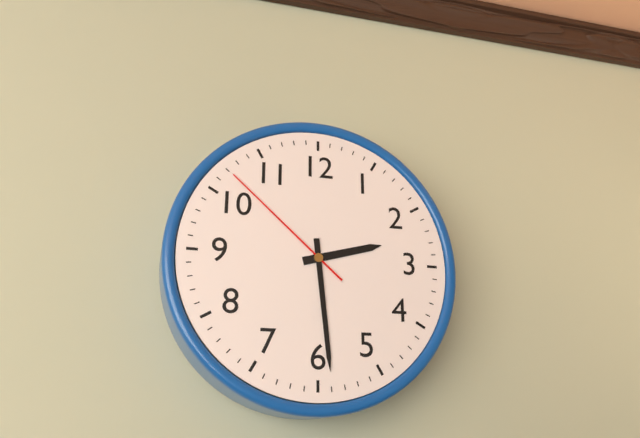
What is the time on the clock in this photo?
2:29:52
